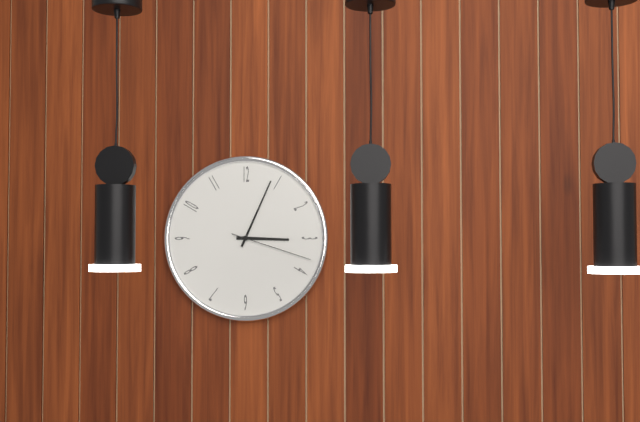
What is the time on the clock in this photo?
3:04:18
